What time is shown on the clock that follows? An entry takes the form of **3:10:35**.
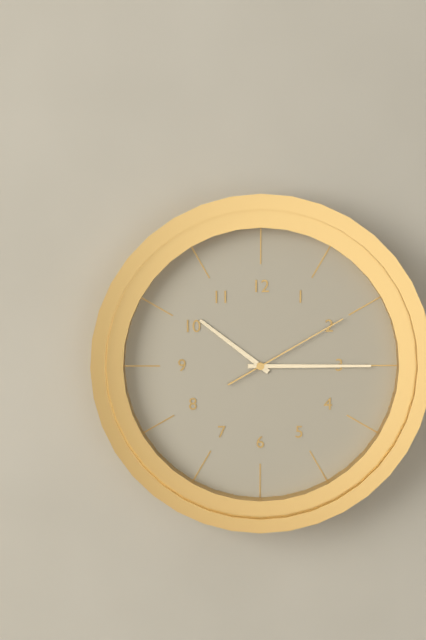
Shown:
**10:15:10**
